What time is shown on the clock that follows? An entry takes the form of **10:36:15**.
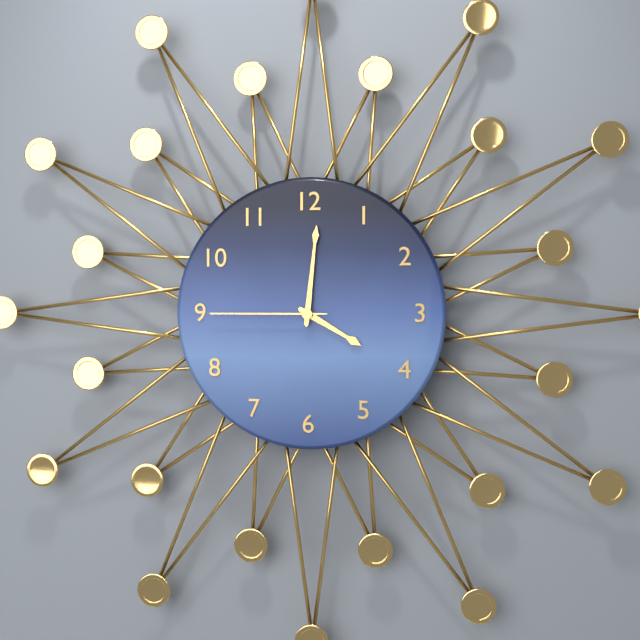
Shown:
**4:01:45**
